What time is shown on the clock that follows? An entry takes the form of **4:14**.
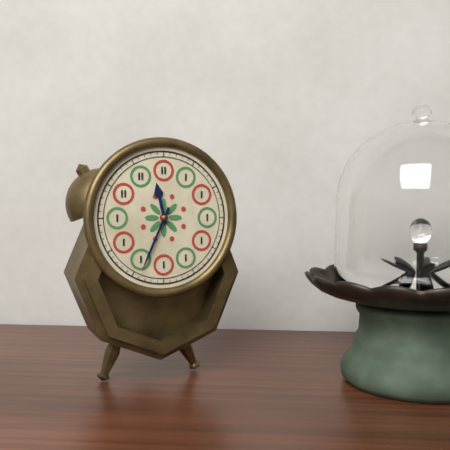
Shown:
**11:34**
